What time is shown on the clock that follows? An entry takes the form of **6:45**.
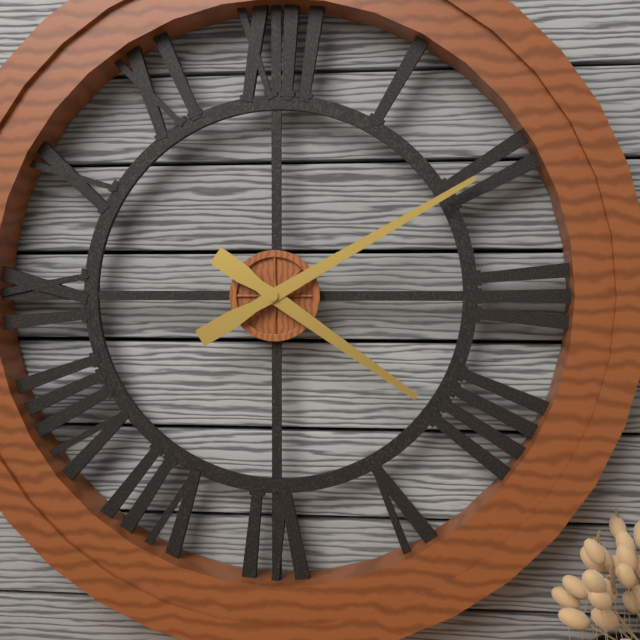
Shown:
**4:10**
